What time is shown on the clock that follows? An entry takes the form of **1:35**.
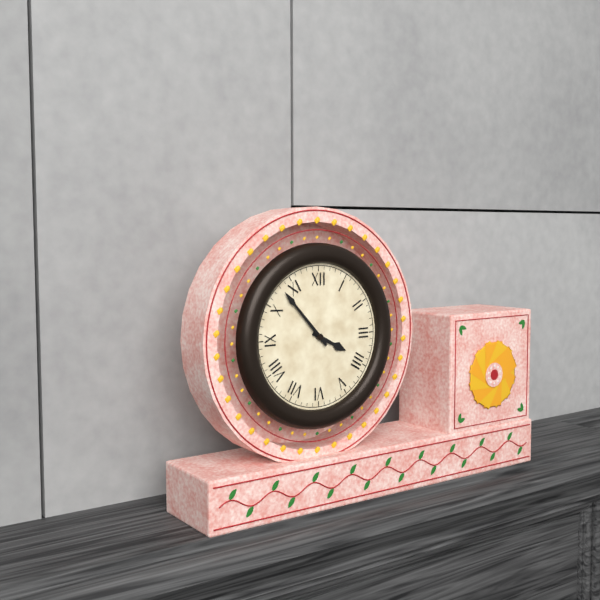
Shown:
**3:53**
